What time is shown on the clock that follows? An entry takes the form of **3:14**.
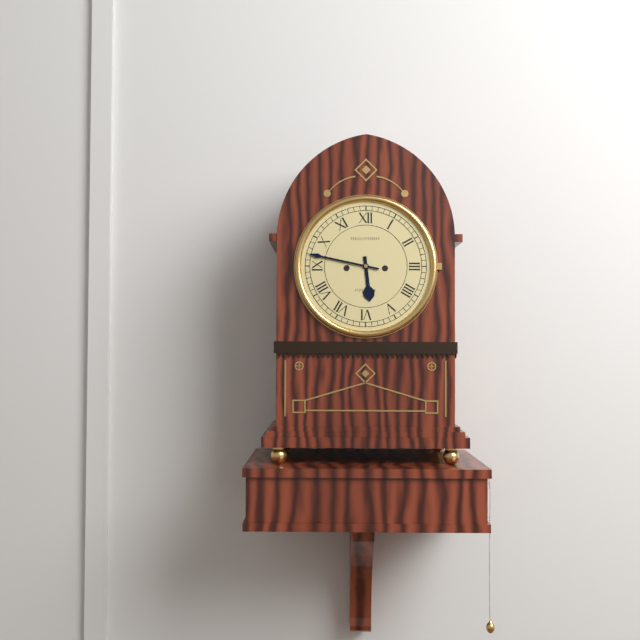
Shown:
**5:47**
